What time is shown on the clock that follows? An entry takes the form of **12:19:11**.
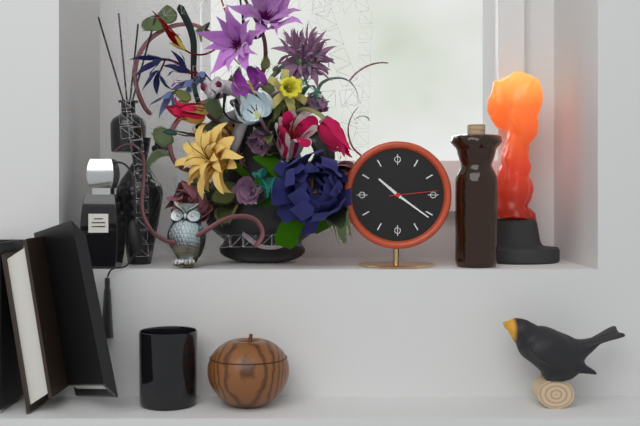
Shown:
**10:21:14**
